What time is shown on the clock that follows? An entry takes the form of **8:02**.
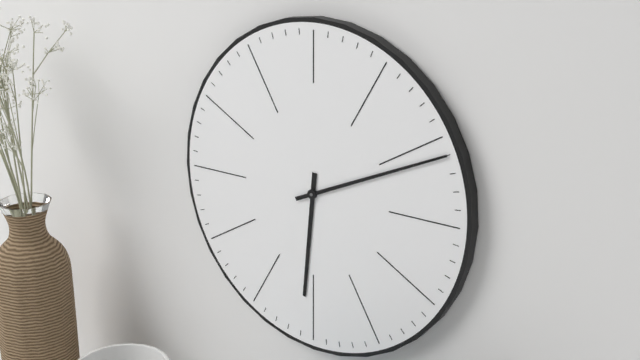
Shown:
**6:11**
